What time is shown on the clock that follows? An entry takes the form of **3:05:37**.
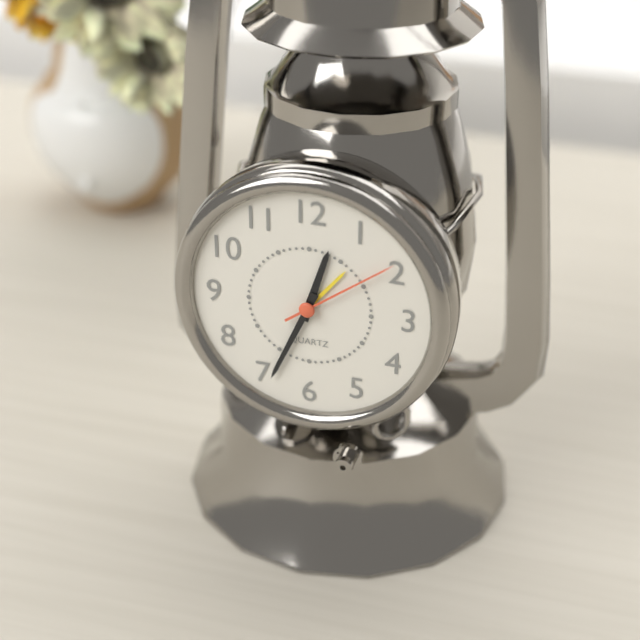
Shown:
**12:34:09**
